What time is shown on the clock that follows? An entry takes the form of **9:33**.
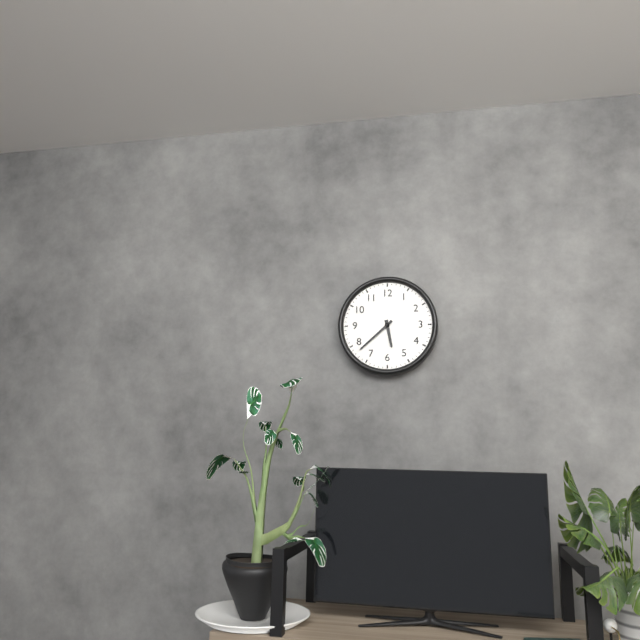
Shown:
**5:38**
